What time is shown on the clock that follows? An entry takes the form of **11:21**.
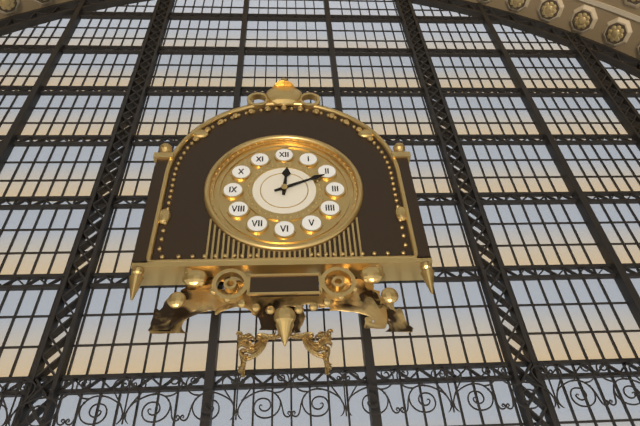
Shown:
**12:11**
